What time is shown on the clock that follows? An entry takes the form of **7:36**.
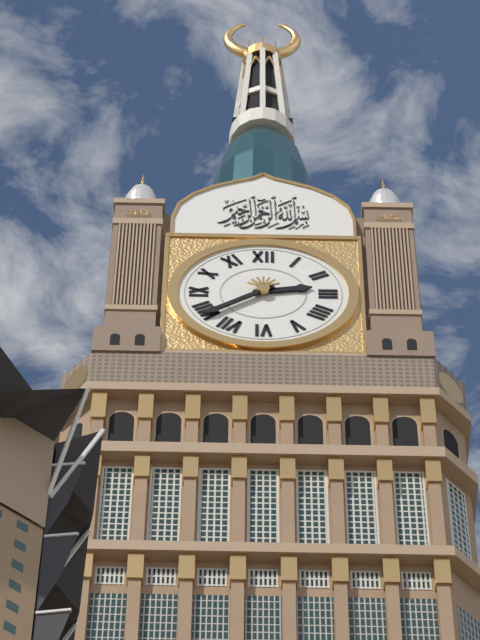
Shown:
**2:39**
